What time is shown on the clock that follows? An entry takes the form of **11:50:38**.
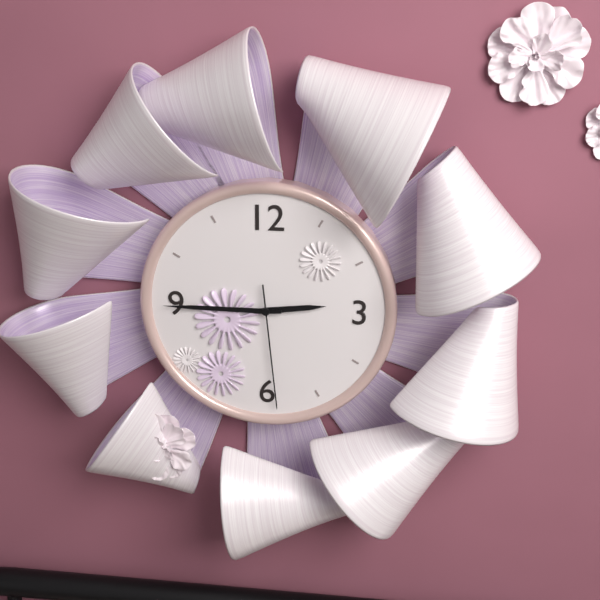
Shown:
**2:45:29**
